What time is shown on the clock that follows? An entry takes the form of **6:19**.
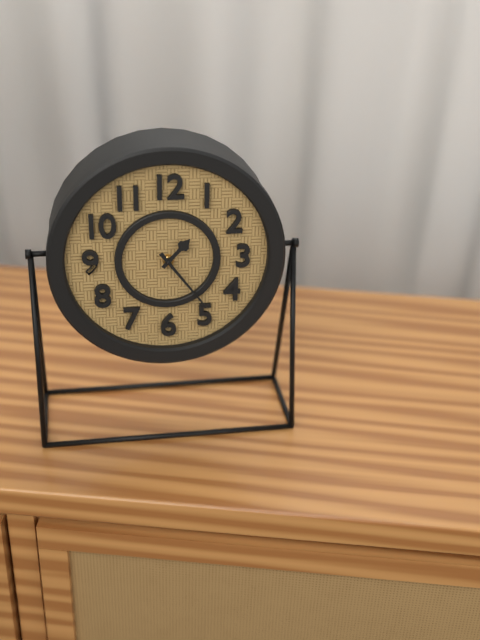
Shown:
**1:24**
